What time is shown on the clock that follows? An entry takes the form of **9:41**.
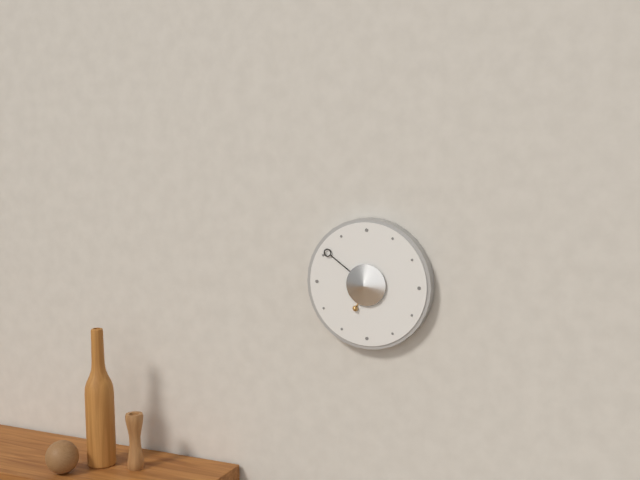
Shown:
**6:51**
